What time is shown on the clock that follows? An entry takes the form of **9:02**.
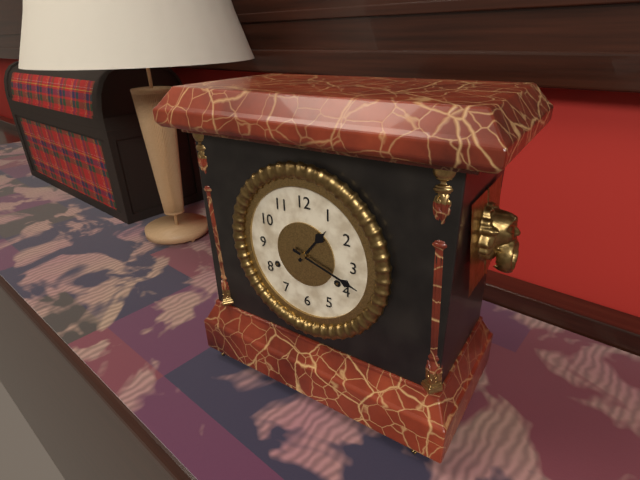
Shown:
**1:18**
